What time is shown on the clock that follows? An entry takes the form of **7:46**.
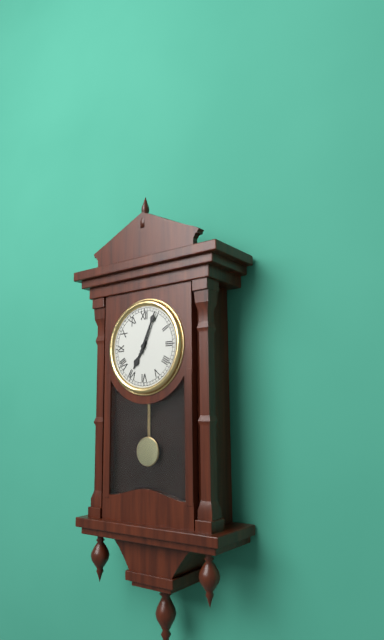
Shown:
**7:04**
